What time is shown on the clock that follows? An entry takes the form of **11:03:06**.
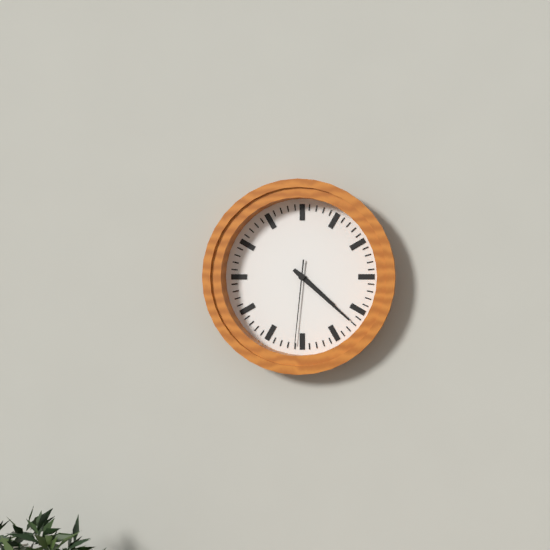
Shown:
**4:22:31**
